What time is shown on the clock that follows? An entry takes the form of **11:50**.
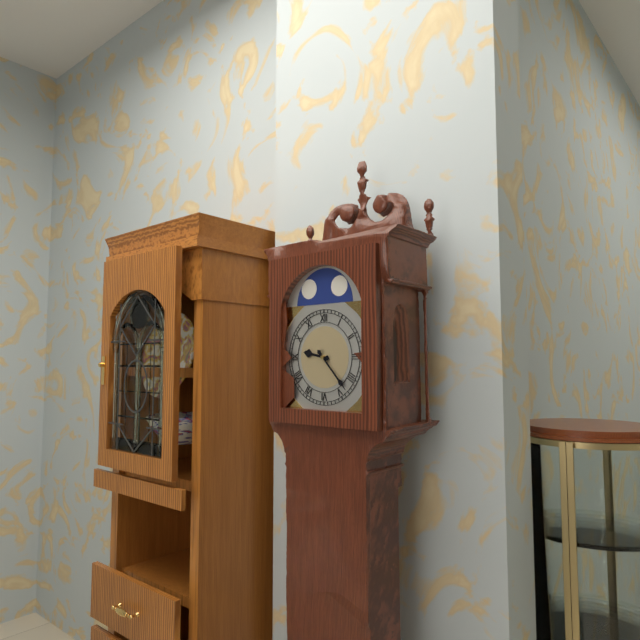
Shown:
**9:23**
